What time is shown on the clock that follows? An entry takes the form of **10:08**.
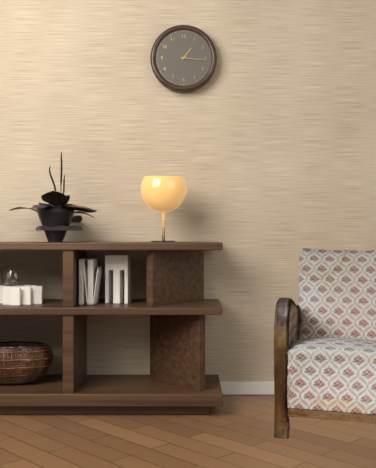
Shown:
**1:16**
